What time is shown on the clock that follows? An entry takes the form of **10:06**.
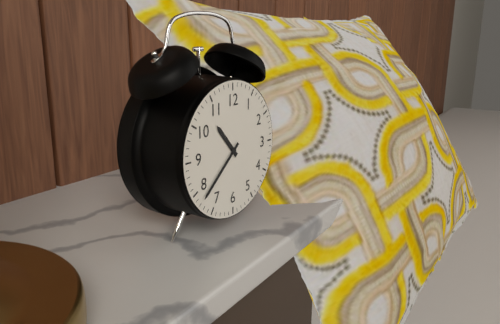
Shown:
**10:38**
